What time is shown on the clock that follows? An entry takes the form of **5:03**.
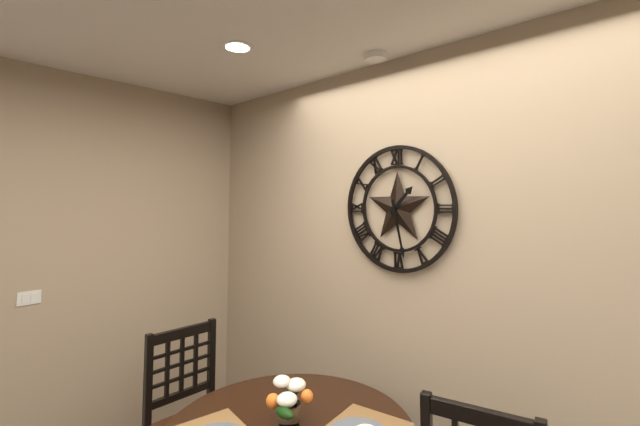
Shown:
**1:28**
